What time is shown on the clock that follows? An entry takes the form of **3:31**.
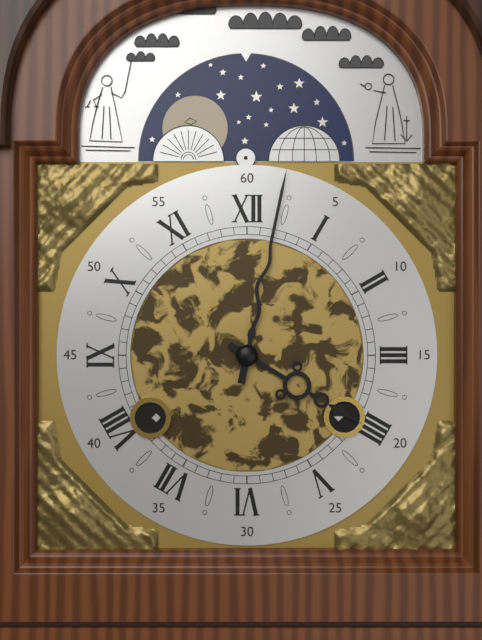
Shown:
**4:02**
